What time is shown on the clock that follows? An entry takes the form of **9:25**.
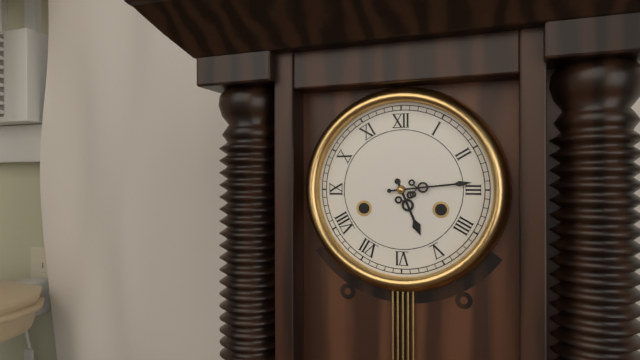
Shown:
**5:14**
